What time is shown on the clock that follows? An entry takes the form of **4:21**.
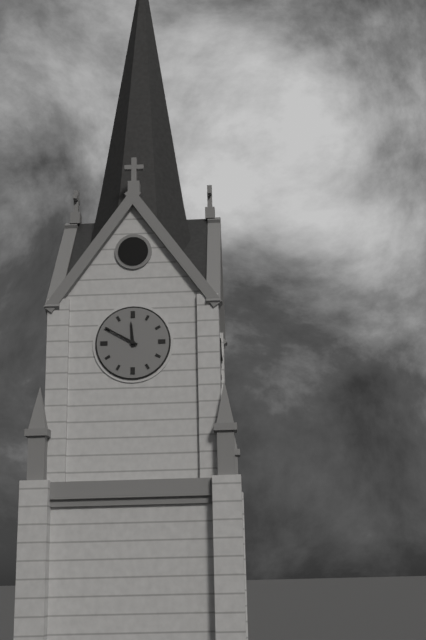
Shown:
**11:50**
